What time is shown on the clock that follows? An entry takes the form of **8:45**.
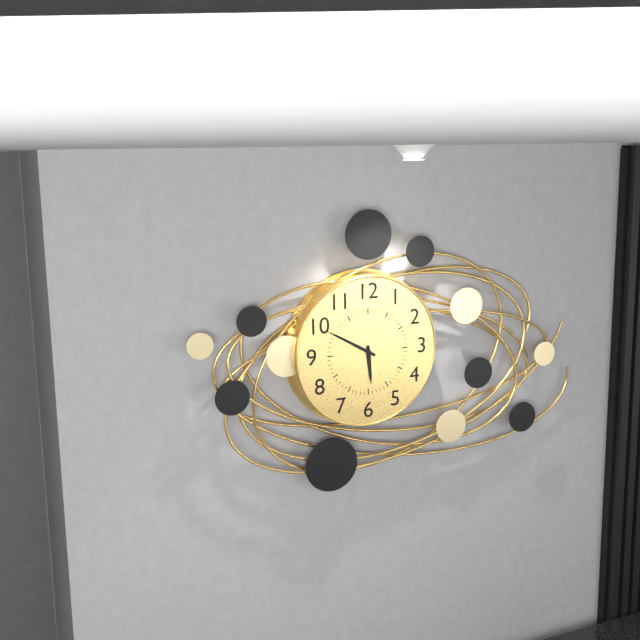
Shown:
**5:50**
